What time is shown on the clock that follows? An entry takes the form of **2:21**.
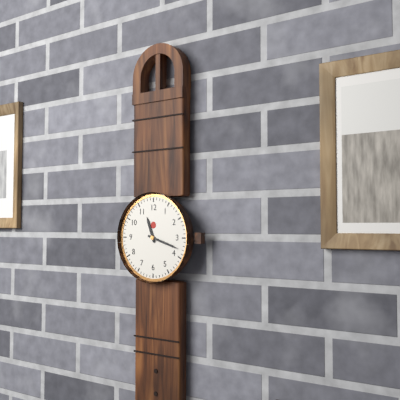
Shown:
**11:18**
